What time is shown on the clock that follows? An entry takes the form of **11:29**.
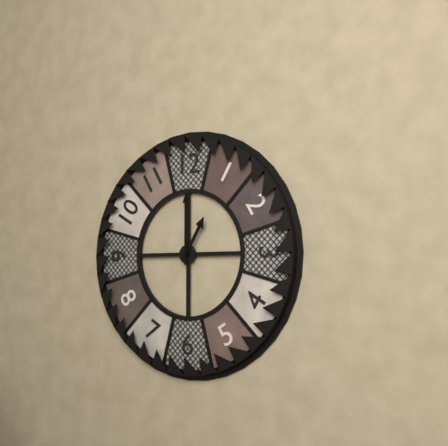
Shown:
**1:00**
